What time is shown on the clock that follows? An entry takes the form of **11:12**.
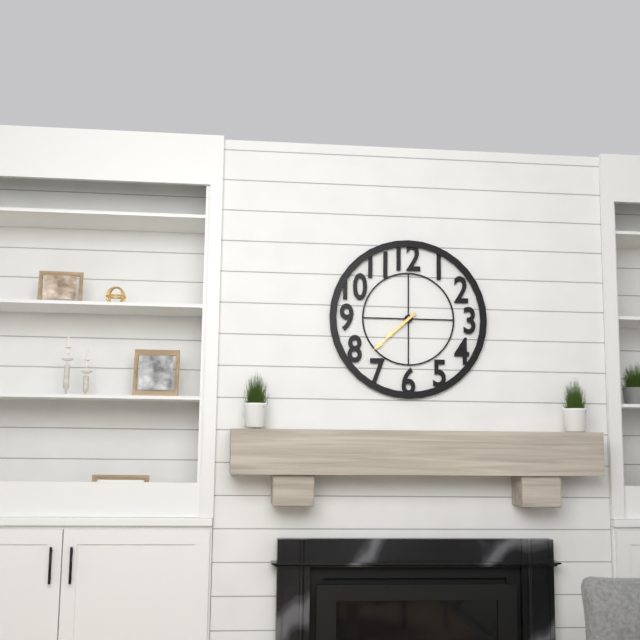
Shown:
**7:38**
